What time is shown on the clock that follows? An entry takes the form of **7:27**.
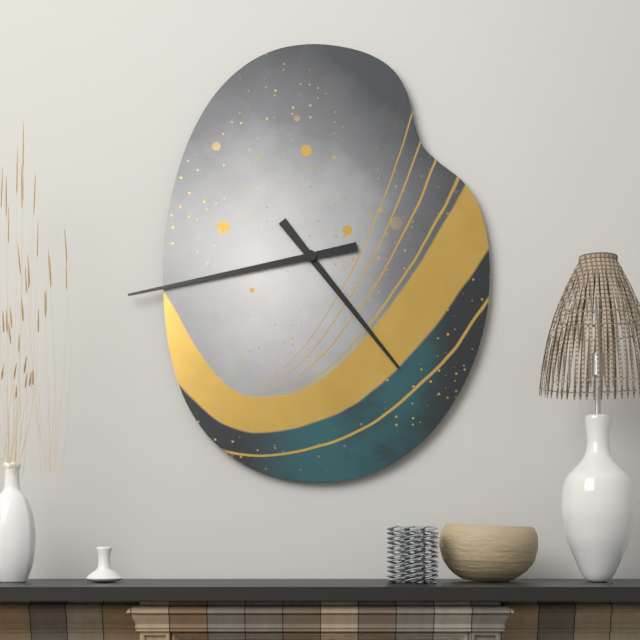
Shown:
**4:43**
